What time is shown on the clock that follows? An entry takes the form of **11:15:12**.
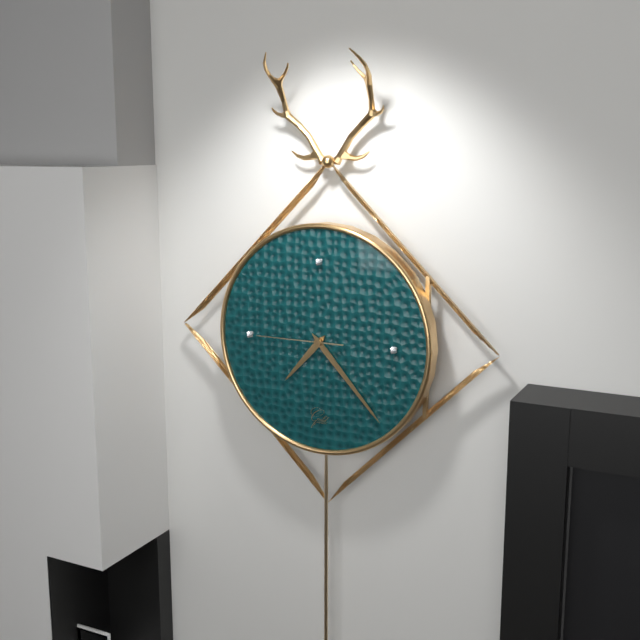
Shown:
**7:23:45**
